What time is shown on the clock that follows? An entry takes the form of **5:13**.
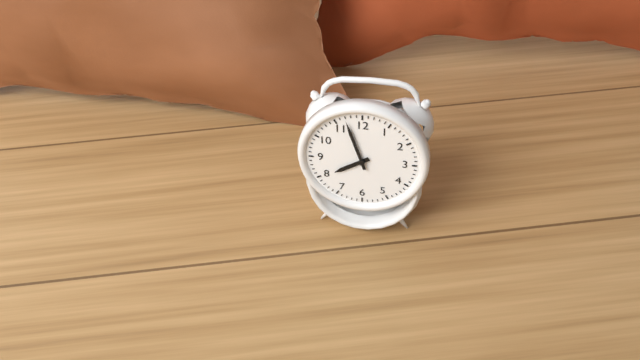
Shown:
**7:57**
